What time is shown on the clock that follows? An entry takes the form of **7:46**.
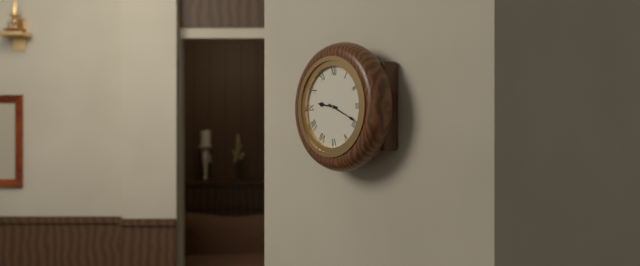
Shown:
**9:19**
